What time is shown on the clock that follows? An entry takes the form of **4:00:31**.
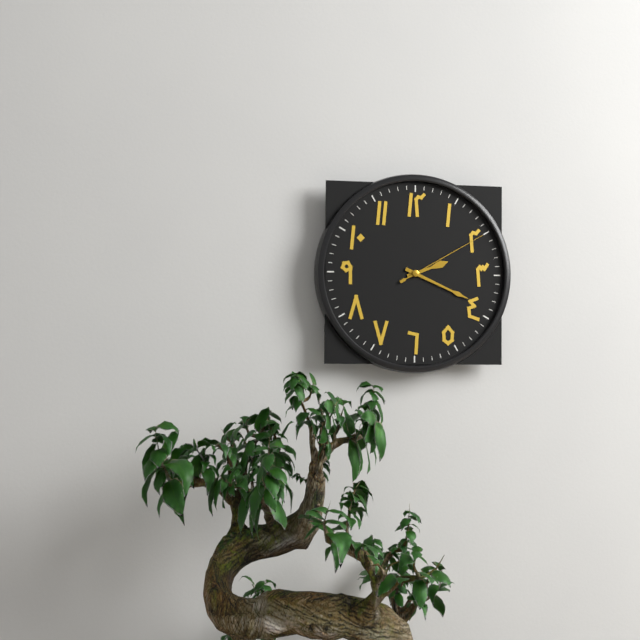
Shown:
**2:19:10**
